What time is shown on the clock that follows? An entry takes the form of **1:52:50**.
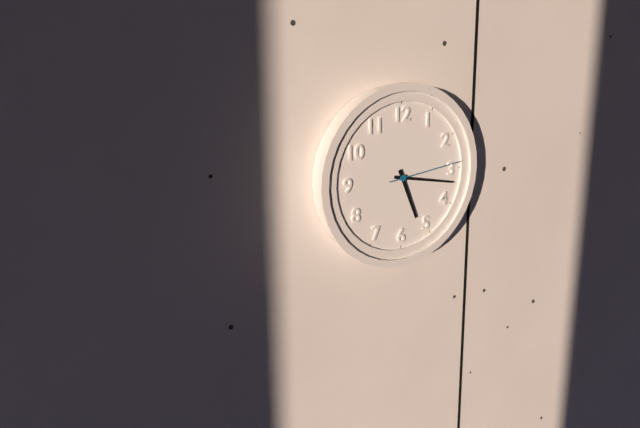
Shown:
**5:17:14**
